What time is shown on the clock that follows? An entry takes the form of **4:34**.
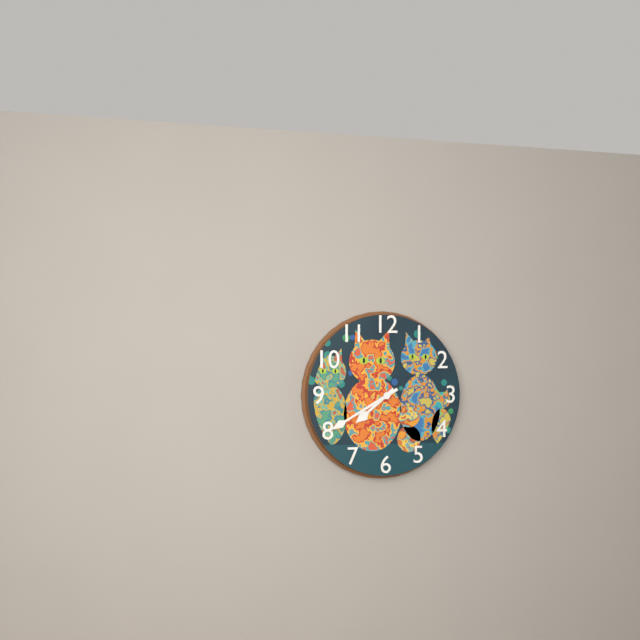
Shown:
**7:40**
